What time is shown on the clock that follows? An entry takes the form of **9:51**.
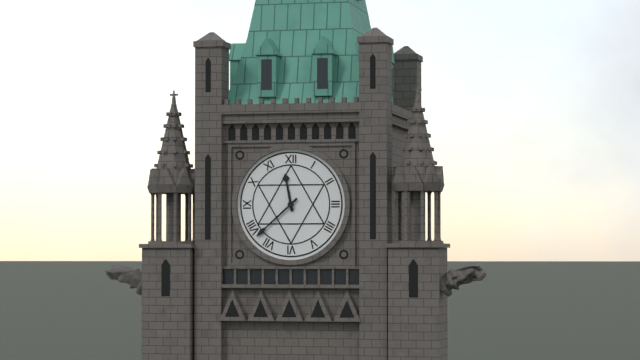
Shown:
**11:38**
